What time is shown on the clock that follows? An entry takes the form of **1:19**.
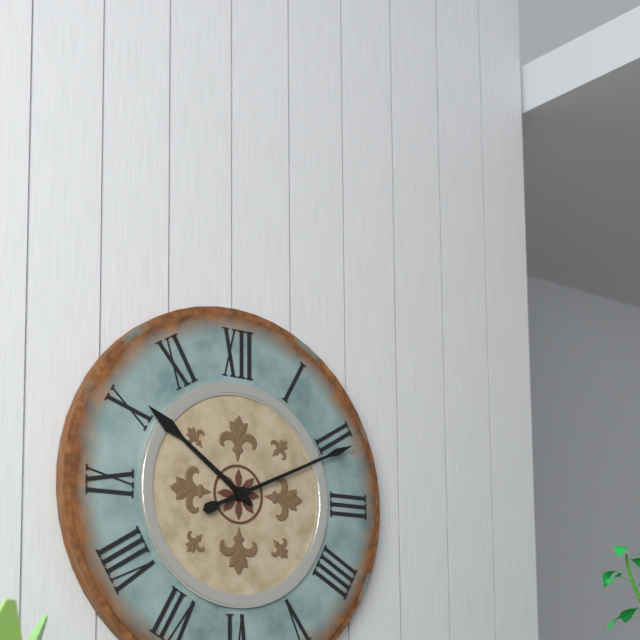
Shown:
**10:11**
